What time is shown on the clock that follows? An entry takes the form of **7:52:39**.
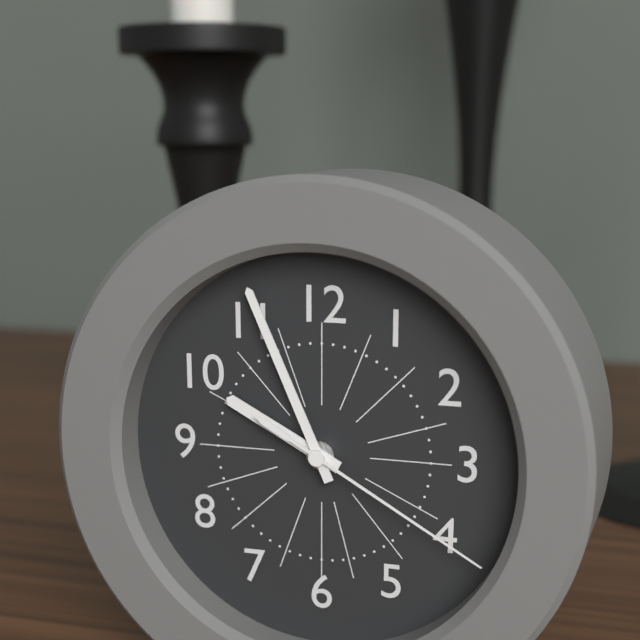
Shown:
**9:56:20**
